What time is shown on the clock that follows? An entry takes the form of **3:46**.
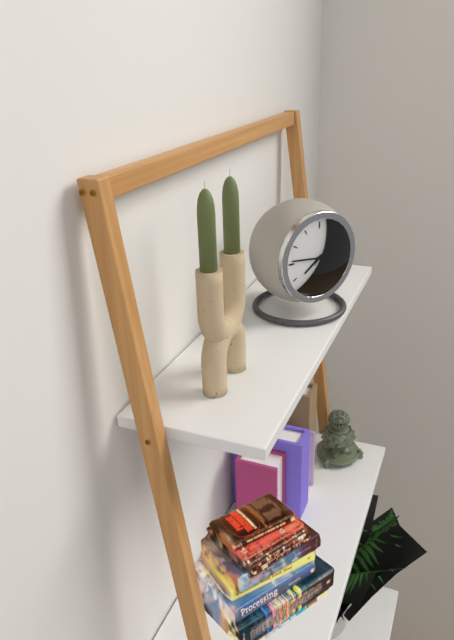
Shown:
**7:46**
